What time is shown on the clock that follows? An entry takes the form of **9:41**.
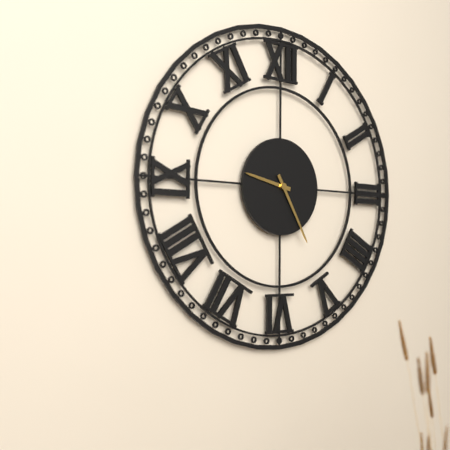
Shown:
**9:25**
